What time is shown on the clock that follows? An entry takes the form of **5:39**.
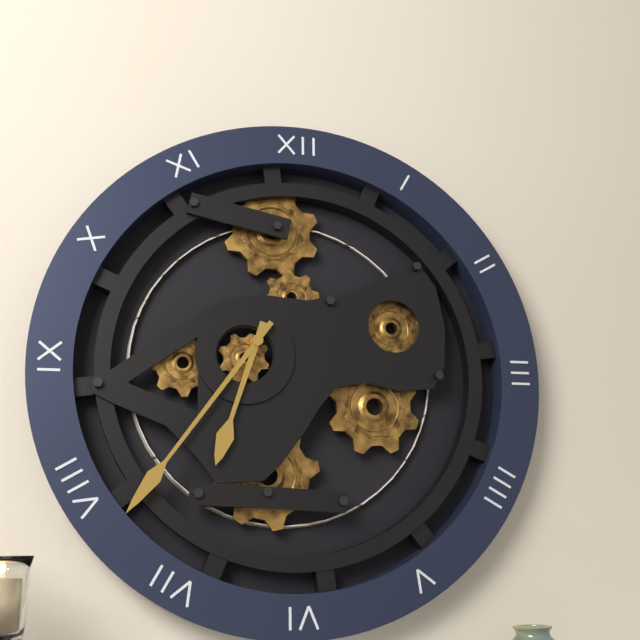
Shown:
**6:36**
